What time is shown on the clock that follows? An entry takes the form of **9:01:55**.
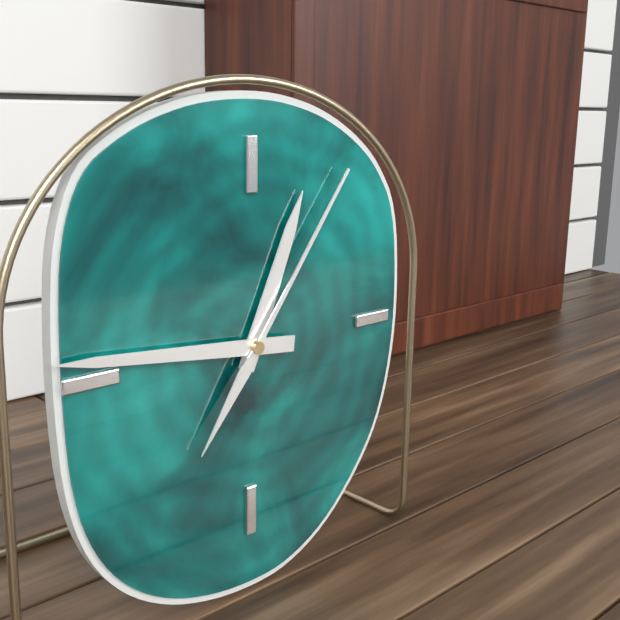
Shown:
**12:46:06**
